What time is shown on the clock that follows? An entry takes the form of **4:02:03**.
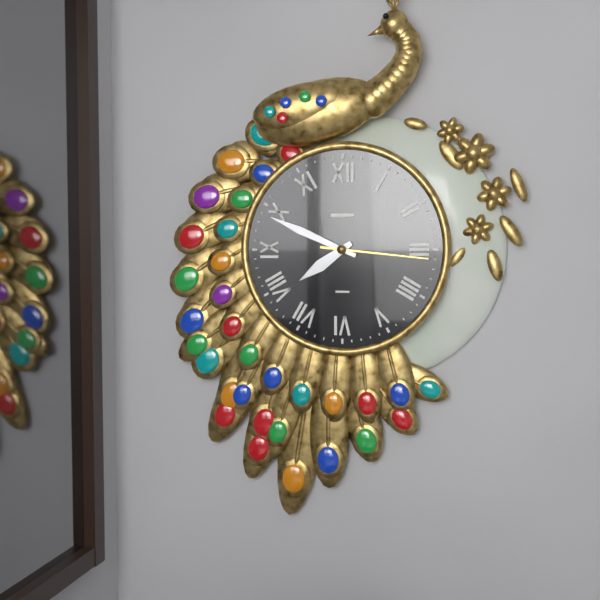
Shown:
**7:49:16**
